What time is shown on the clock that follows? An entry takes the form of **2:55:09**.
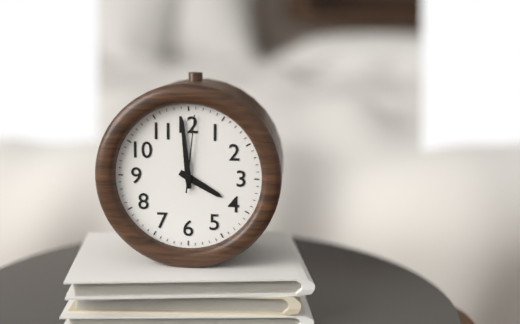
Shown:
**3:59:01**
